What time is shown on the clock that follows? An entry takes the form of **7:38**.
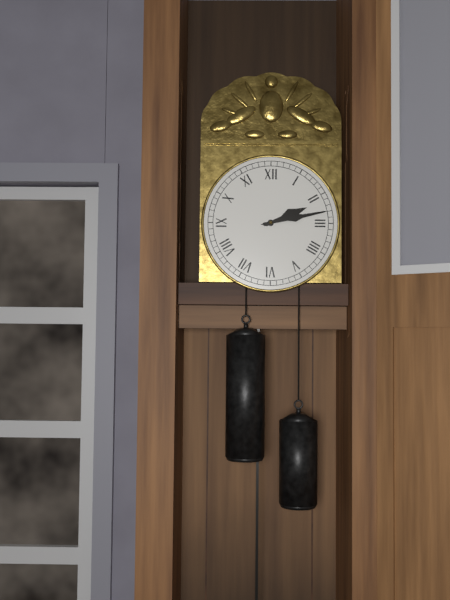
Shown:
**2:13**
